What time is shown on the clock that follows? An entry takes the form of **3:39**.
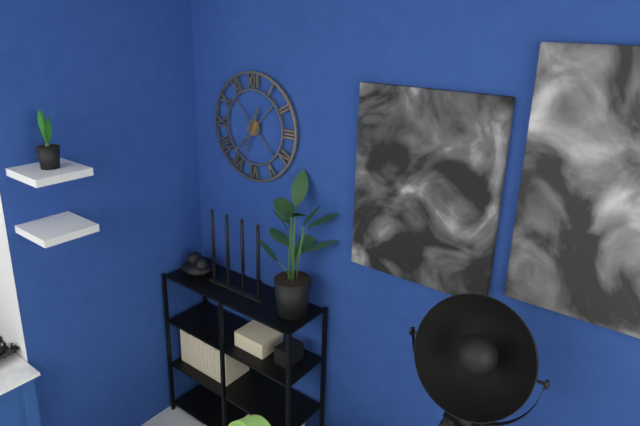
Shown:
**12:34**
